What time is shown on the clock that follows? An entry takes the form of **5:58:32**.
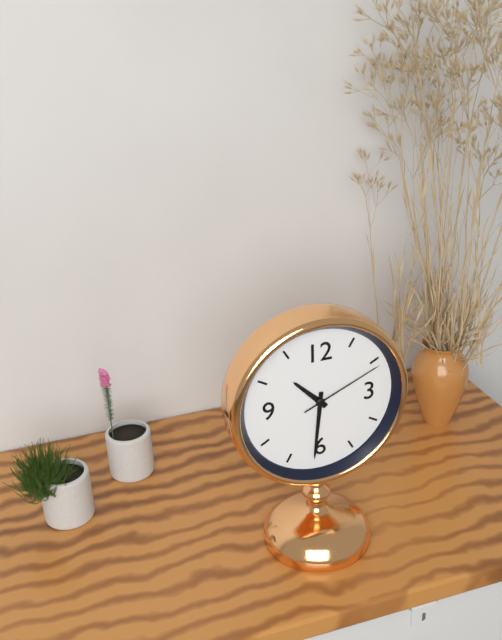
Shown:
**10:31:11**
